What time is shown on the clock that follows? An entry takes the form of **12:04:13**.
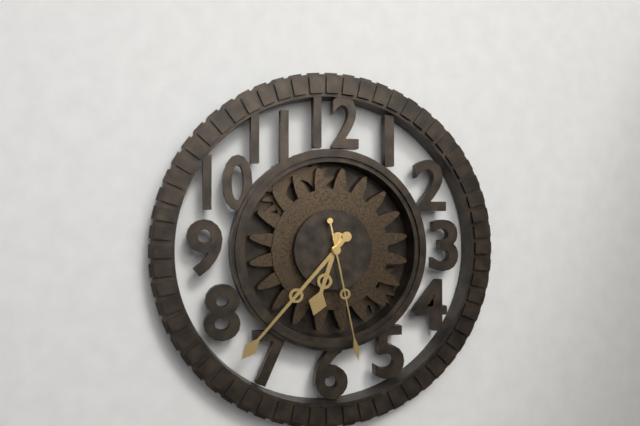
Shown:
**6:37:28**
